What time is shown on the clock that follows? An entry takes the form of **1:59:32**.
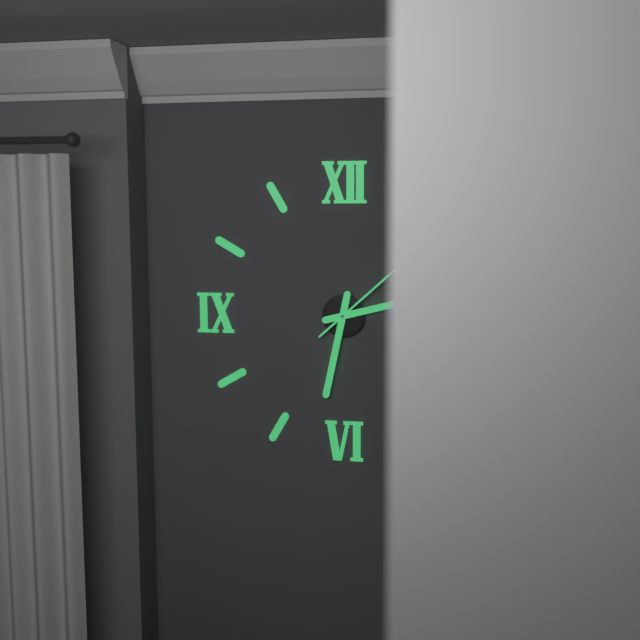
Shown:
**2:32:08**
